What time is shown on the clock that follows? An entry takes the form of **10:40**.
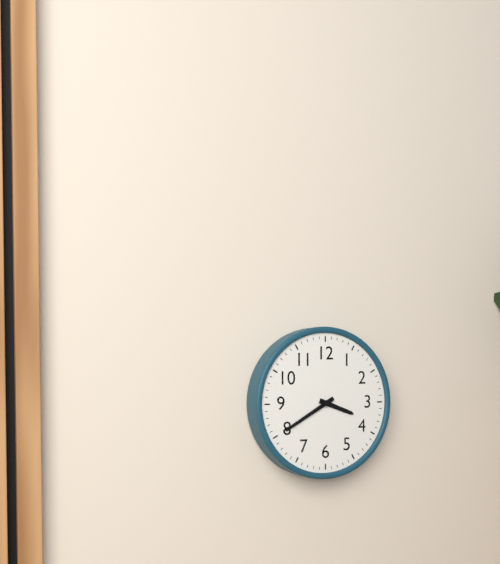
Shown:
**3:40**
